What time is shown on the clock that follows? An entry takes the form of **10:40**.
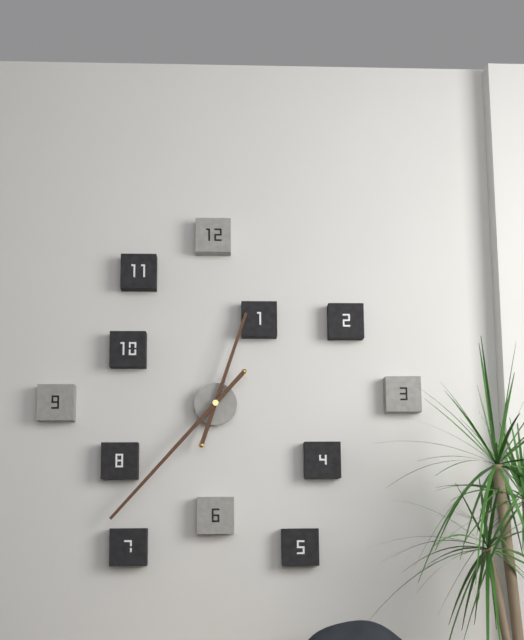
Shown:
**12:37**
